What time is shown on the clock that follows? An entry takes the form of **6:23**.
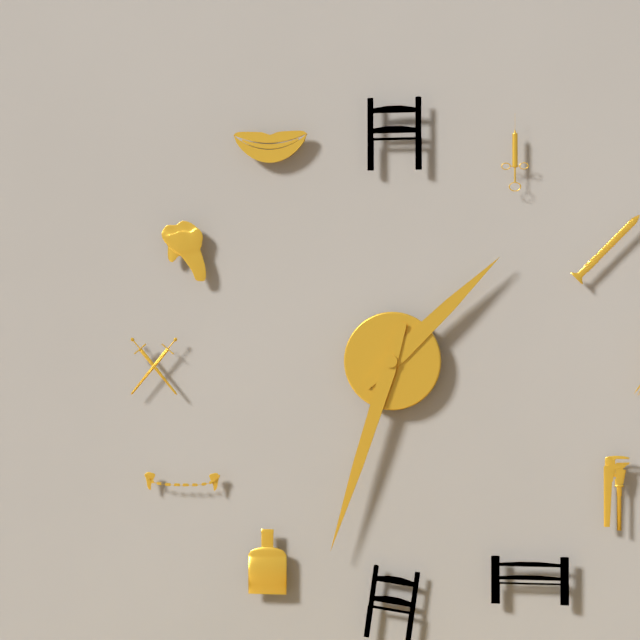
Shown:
**1:33**
